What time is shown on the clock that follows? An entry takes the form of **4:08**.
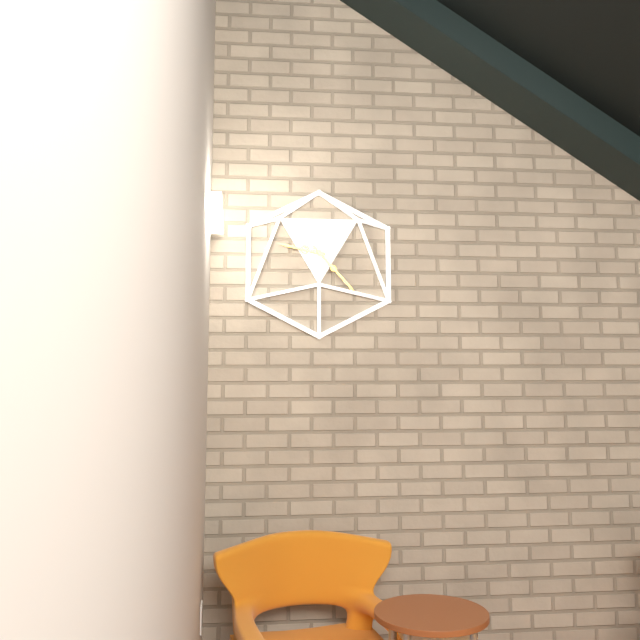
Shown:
**9:23**
